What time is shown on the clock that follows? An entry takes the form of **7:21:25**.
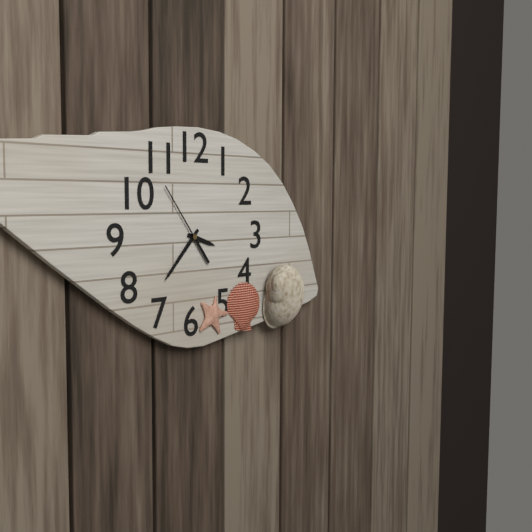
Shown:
**3:37:54**
